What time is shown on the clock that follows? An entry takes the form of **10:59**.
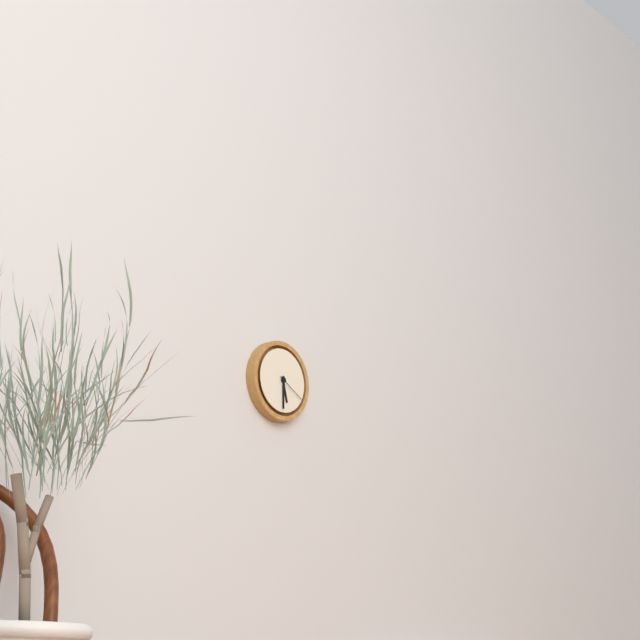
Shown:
**5:30**
